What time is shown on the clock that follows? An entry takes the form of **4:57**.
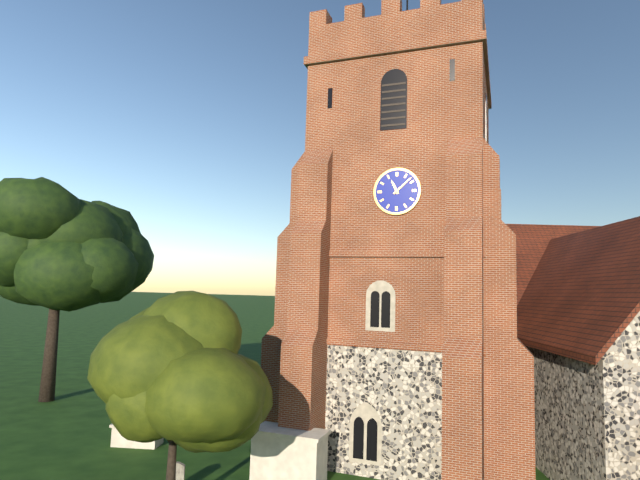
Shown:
**11:08**
